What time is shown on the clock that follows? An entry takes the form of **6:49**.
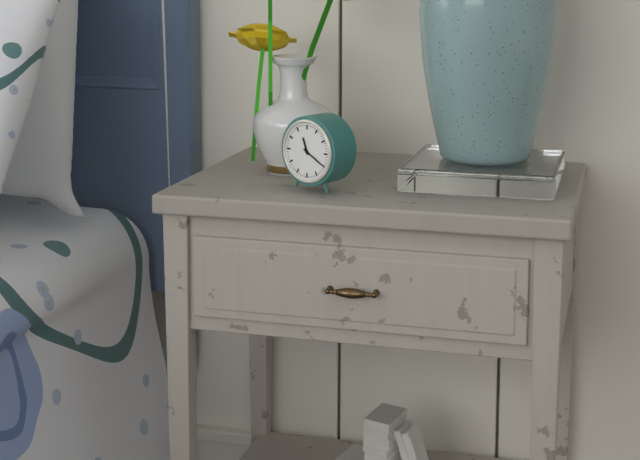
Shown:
**11:20**
